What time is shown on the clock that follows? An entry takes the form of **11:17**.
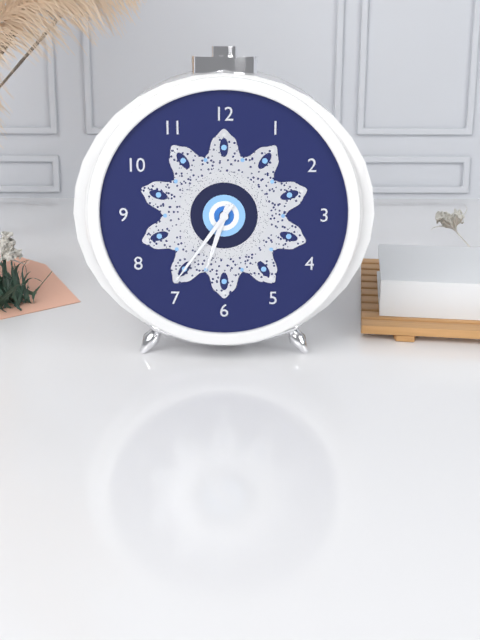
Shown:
**6:36**
